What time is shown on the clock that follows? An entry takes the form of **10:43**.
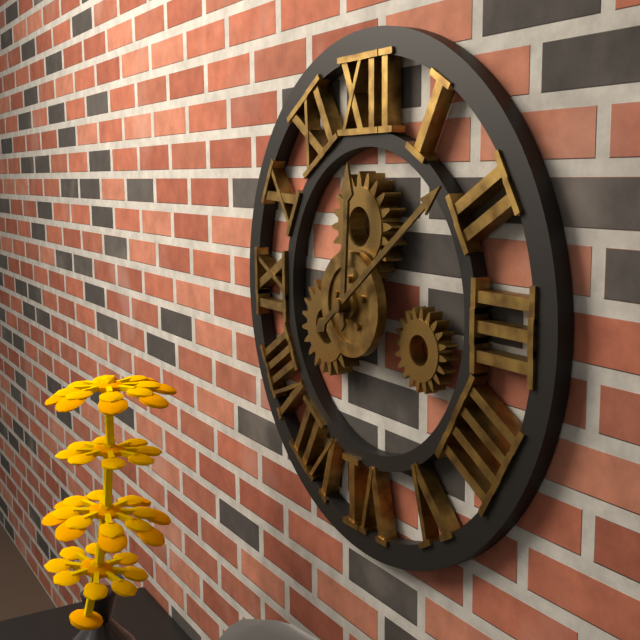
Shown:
**12:09**
